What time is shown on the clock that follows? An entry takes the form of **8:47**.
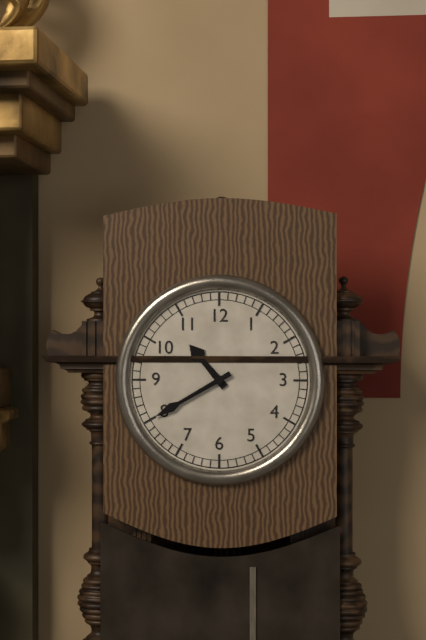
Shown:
**10:40**
